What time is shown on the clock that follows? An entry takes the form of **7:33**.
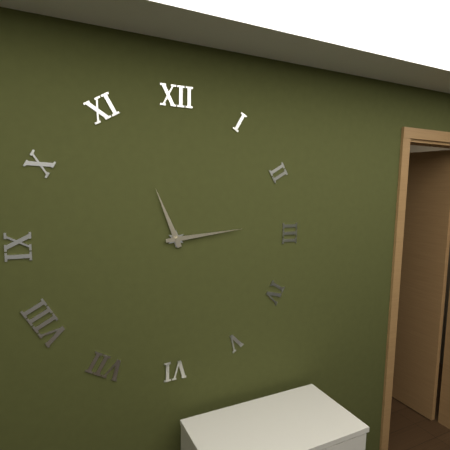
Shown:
**11:14**
